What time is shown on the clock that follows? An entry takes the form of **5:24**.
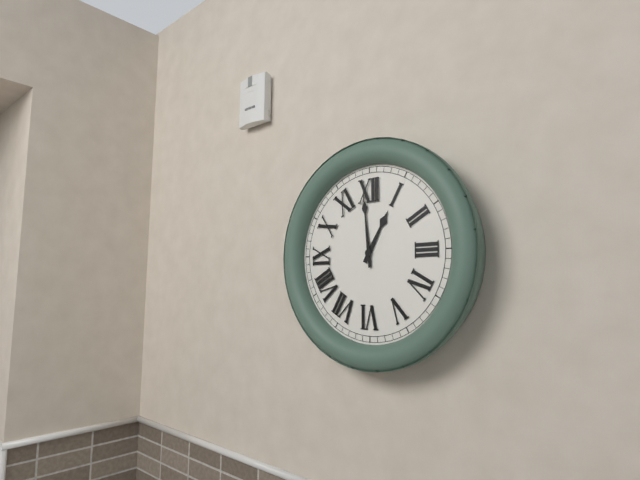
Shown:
**12:59**
